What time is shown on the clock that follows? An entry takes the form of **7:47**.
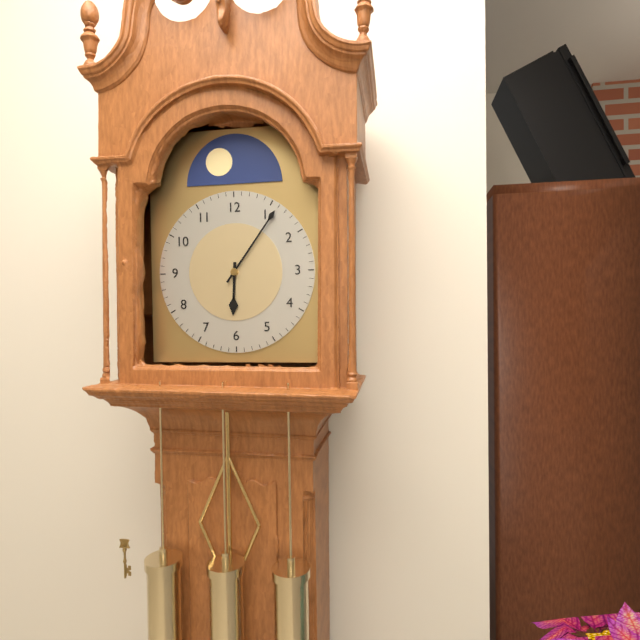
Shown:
**6:06**
